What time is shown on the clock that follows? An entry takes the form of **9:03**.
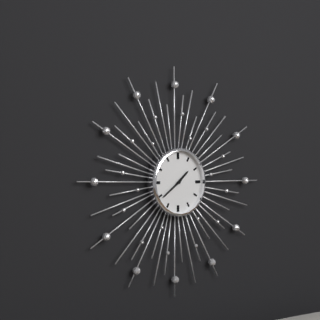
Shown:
**1:39**
